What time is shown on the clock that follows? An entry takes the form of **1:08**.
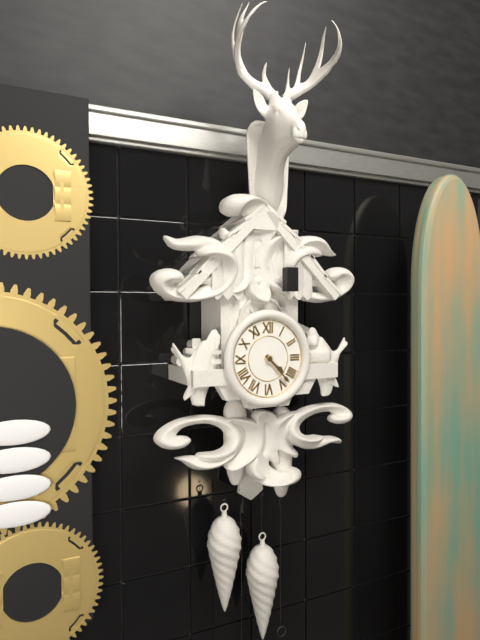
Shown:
**4:23**
